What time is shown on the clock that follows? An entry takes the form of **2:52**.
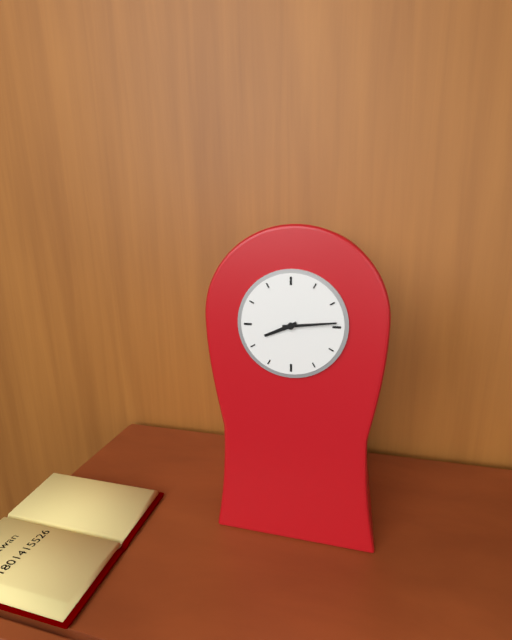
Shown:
**8:14**
